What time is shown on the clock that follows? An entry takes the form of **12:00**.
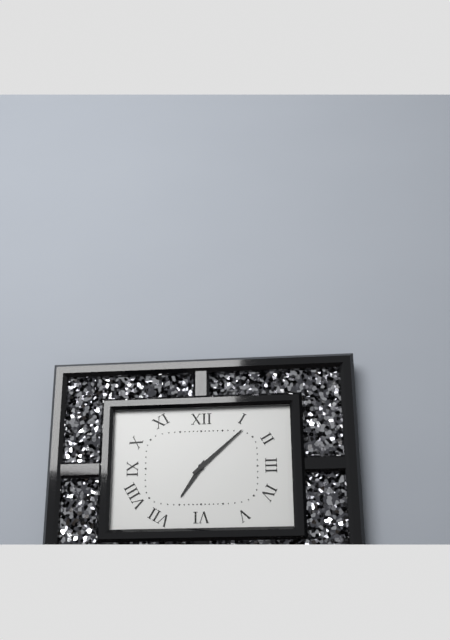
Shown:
**7:08**
